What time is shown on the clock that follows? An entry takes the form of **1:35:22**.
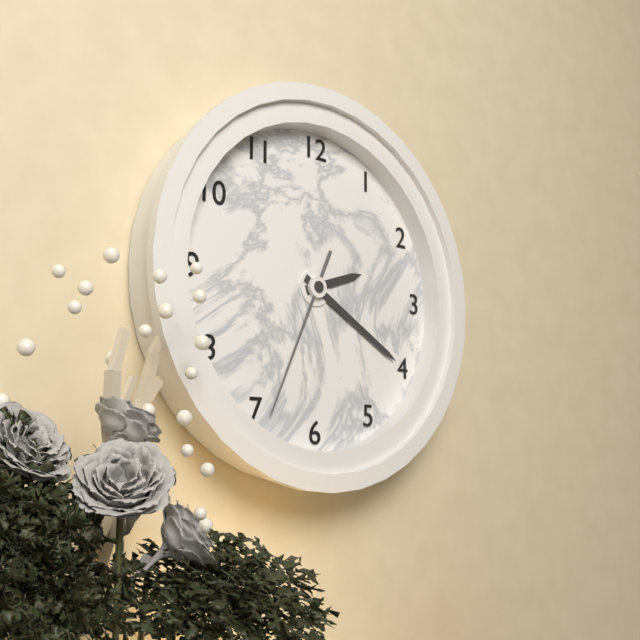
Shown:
**2:20:34**
